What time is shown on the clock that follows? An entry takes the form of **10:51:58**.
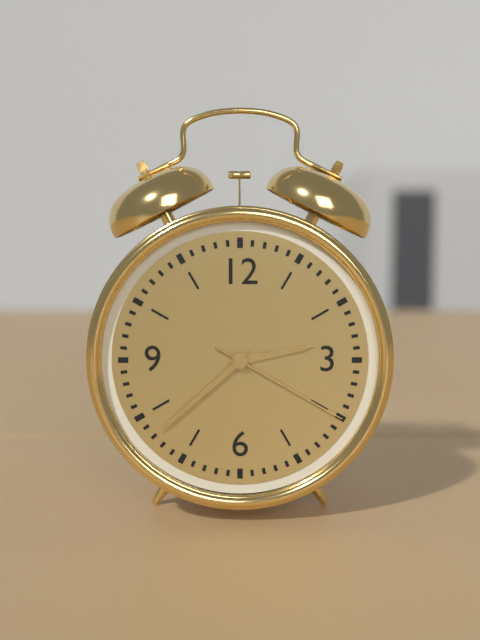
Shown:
**2:38:20**
